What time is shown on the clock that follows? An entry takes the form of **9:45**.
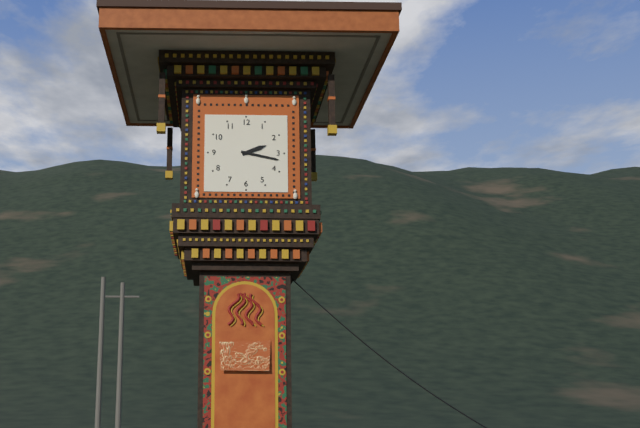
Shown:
**2:17**
